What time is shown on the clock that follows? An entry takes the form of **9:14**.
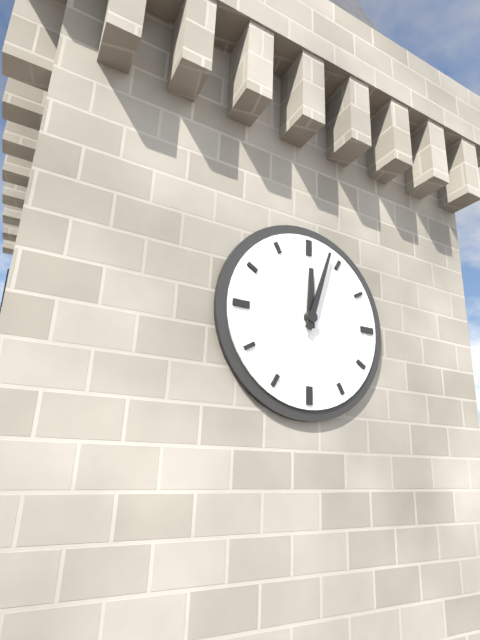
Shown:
**12:03**
